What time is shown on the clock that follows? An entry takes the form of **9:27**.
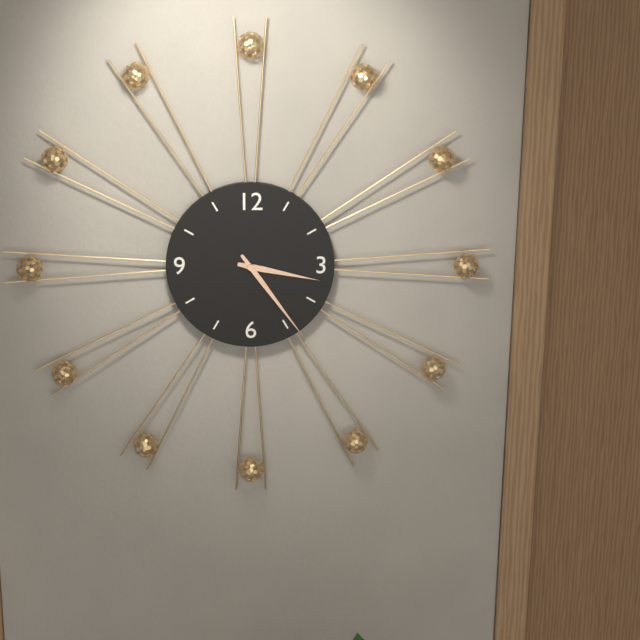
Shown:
**3:24**
